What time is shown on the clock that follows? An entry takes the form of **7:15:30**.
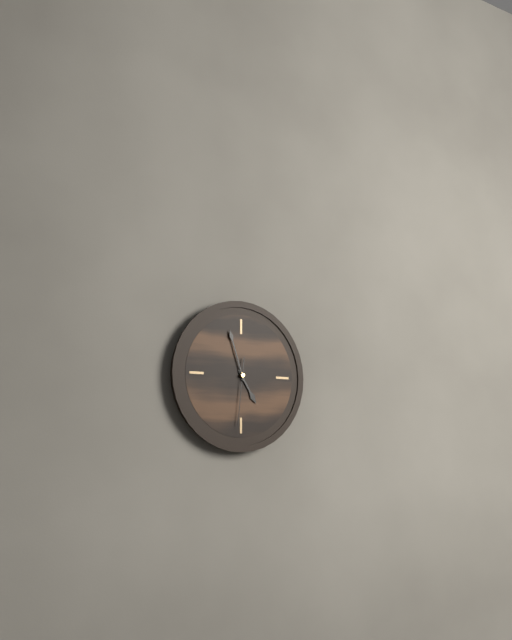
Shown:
**4:57:31**
